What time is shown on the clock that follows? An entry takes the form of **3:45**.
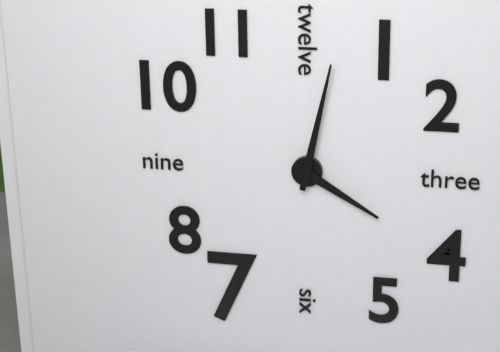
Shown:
**4:02**
